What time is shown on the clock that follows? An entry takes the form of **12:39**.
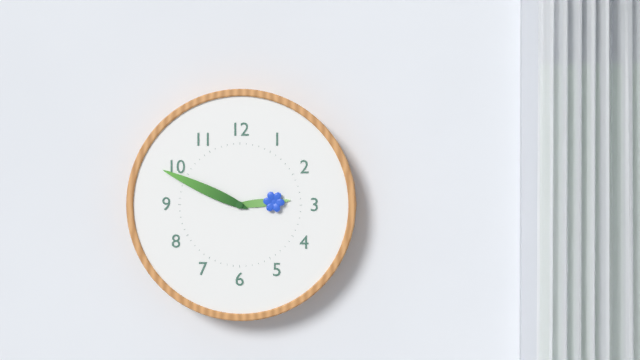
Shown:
**2:49**
